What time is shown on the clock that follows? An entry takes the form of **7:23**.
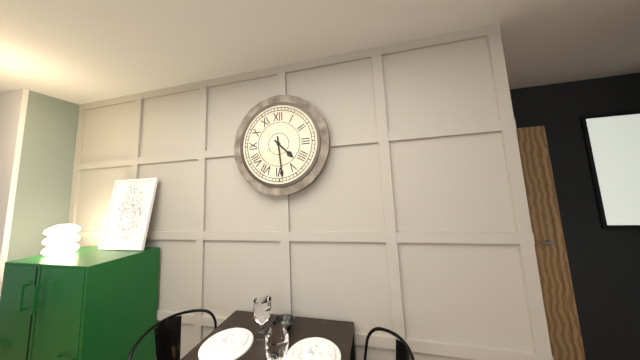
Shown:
**4:29**
